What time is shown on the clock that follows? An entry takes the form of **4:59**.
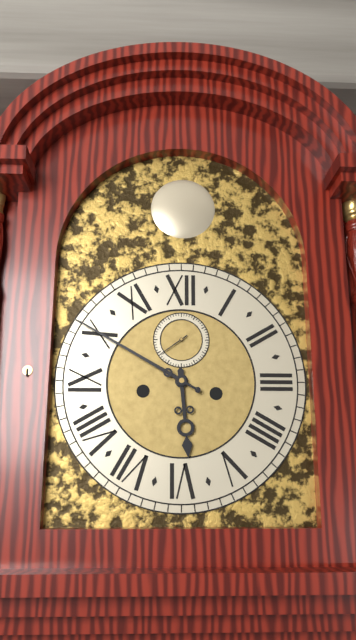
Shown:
**5:50**
